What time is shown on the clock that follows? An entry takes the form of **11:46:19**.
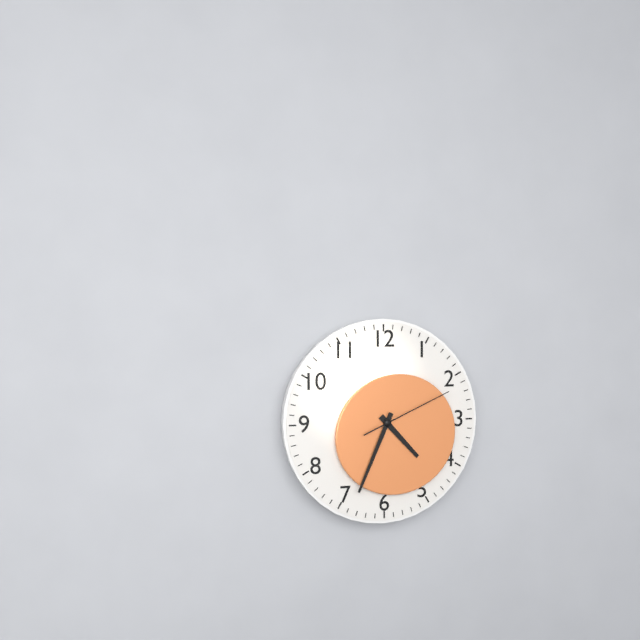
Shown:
**4:34:11**
